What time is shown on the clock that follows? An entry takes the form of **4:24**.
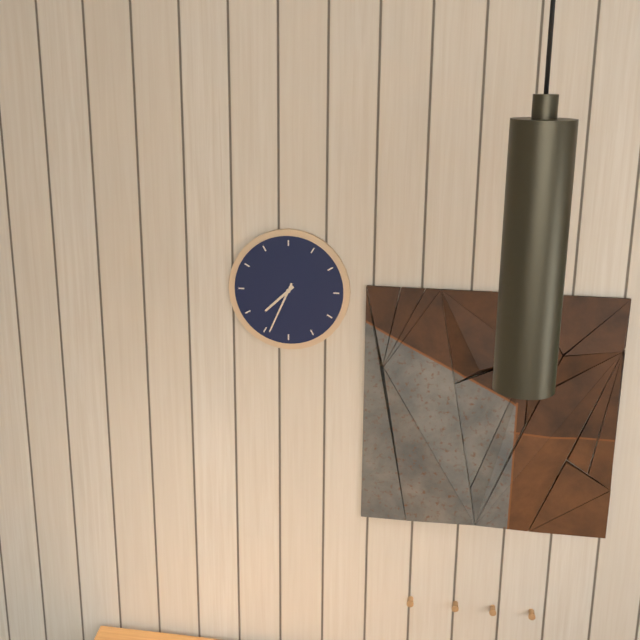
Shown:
**7:34**
